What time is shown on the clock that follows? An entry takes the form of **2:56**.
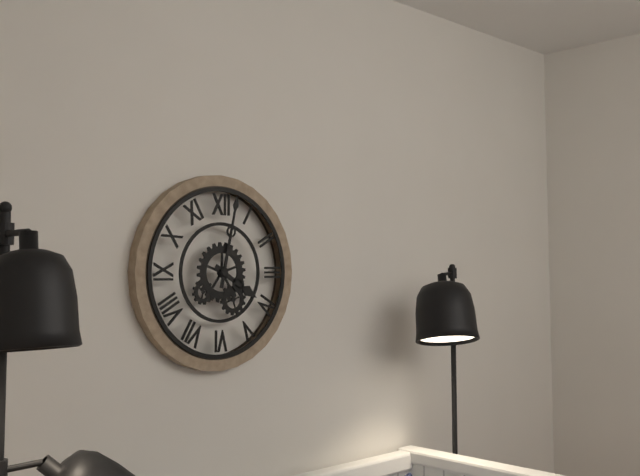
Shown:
**4:02**
